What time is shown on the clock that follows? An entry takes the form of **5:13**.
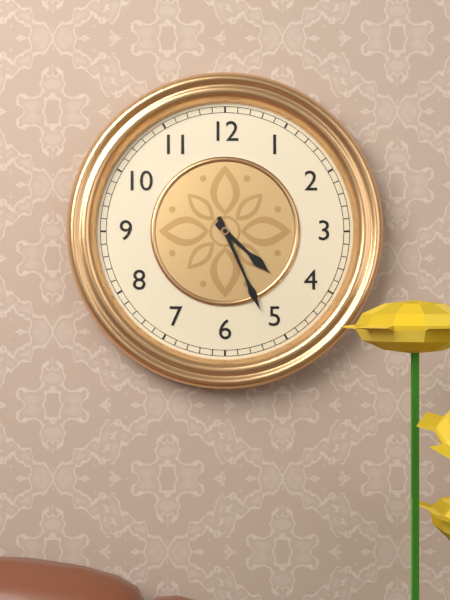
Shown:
**4:26**
